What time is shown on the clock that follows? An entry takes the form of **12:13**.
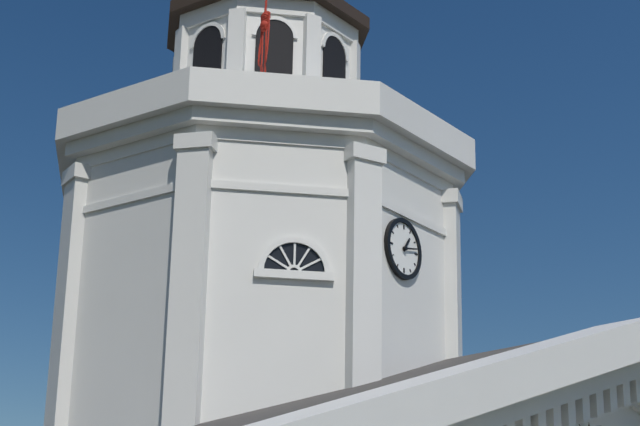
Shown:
**1:13**
